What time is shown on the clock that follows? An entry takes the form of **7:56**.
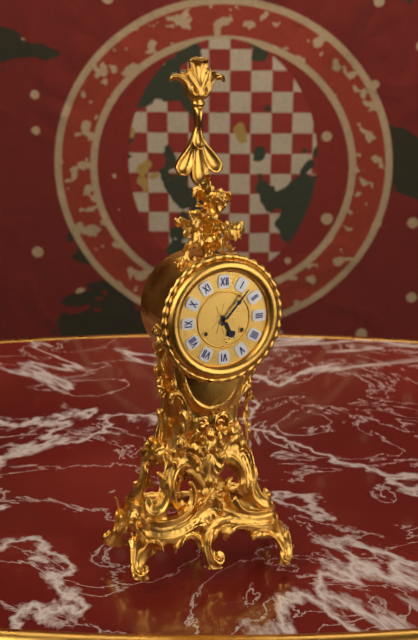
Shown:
**5:07**
